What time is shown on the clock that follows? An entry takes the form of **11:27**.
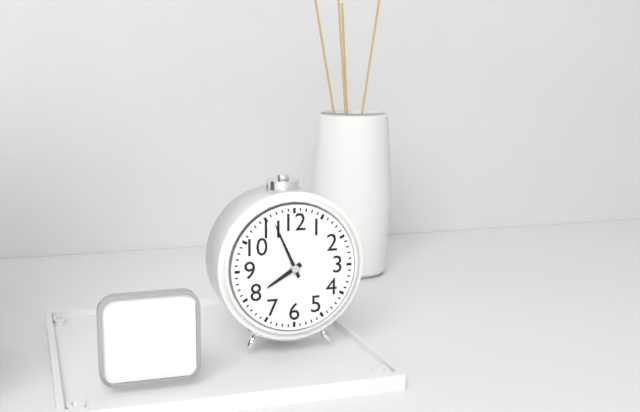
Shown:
**7:56**
